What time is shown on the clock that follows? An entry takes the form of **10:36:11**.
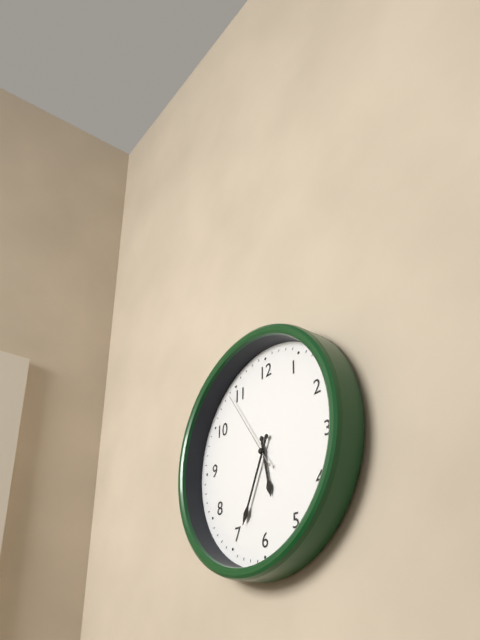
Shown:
**5:34:54**
